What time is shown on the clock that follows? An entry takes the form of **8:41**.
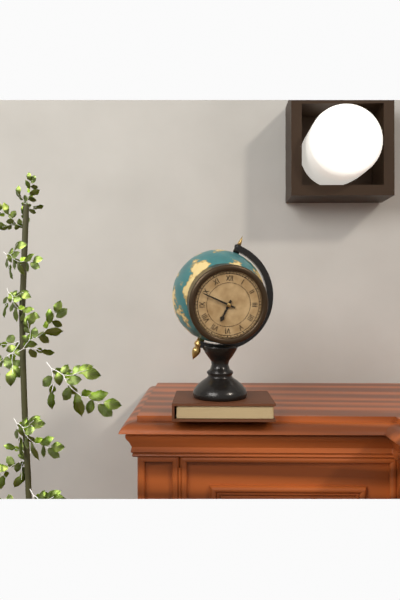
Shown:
**6:49**
